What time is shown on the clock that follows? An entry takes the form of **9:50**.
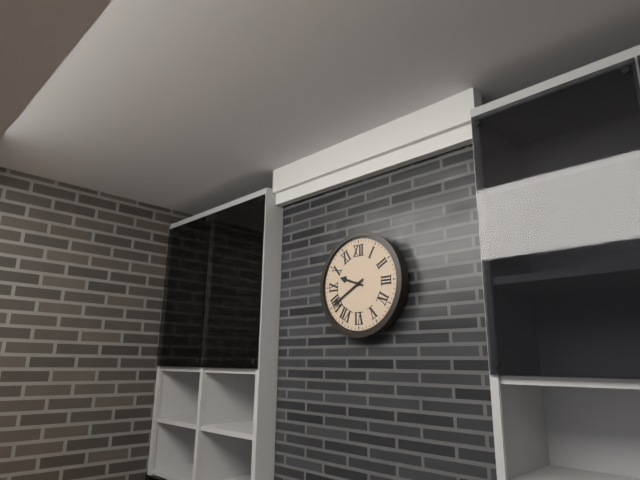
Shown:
**9:40**
